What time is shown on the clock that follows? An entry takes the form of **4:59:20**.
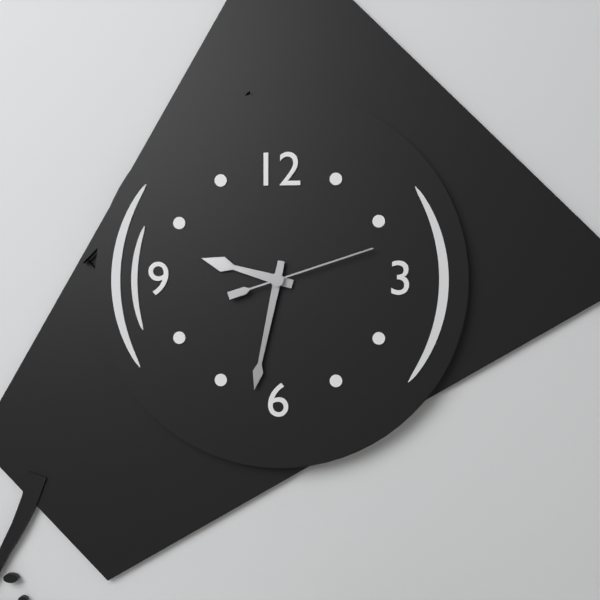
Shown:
**9:32:12**
